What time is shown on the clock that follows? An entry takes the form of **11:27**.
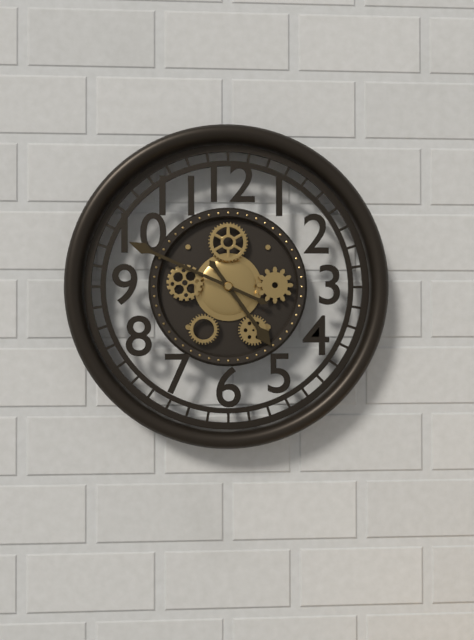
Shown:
**4:49**
